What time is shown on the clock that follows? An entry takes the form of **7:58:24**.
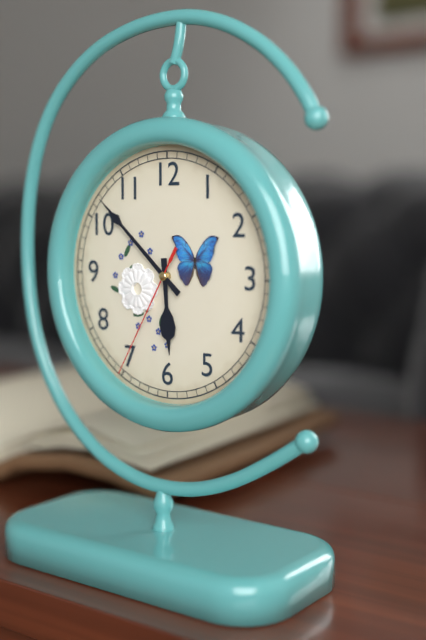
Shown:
**5:52:35**
